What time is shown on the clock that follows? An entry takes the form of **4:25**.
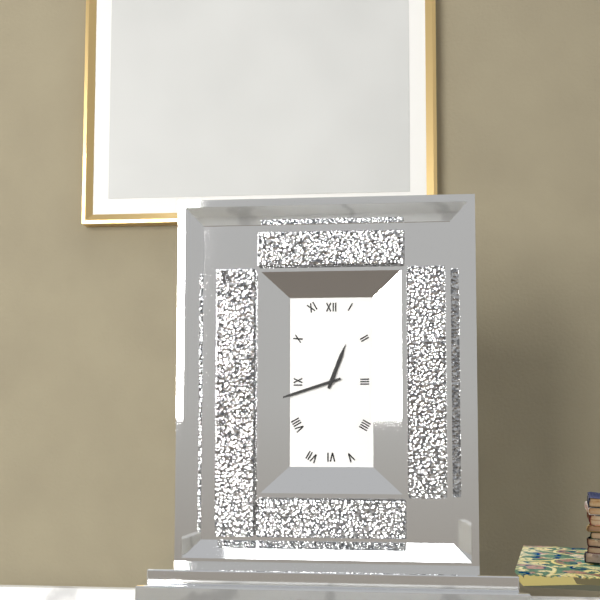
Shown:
**12:42**
